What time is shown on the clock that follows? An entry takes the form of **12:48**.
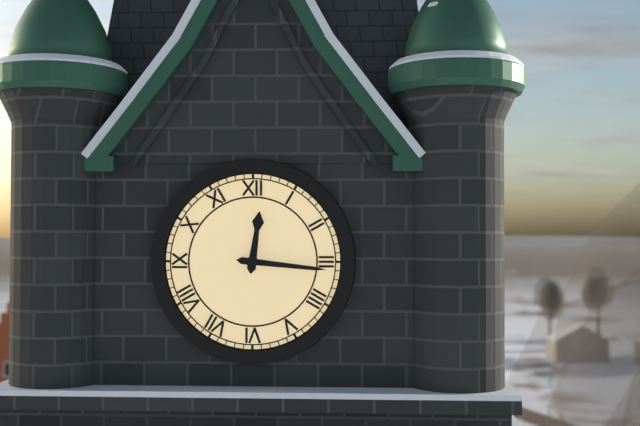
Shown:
**12:16**
